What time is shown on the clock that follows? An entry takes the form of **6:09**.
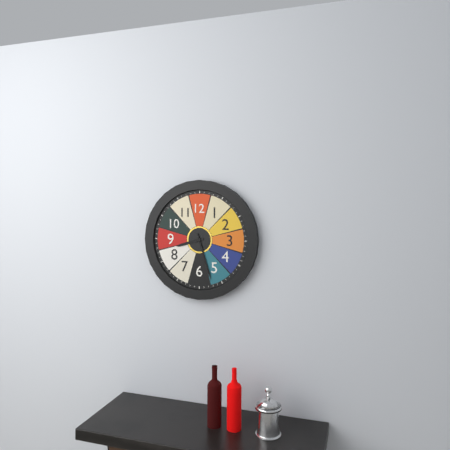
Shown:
**8:27**
